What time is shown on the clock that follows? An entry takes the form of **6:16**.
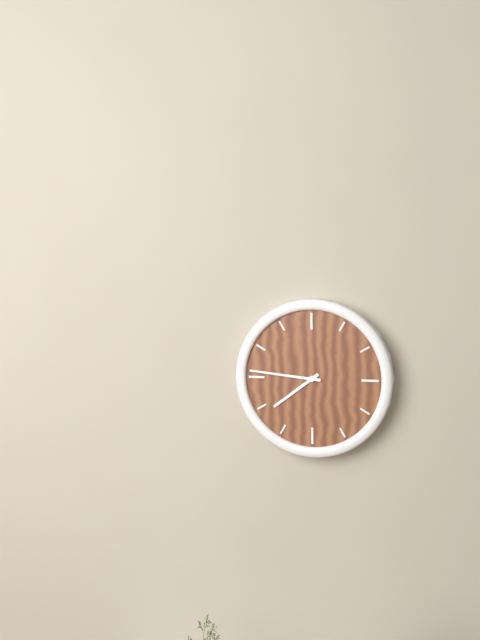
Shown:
**7:46**
